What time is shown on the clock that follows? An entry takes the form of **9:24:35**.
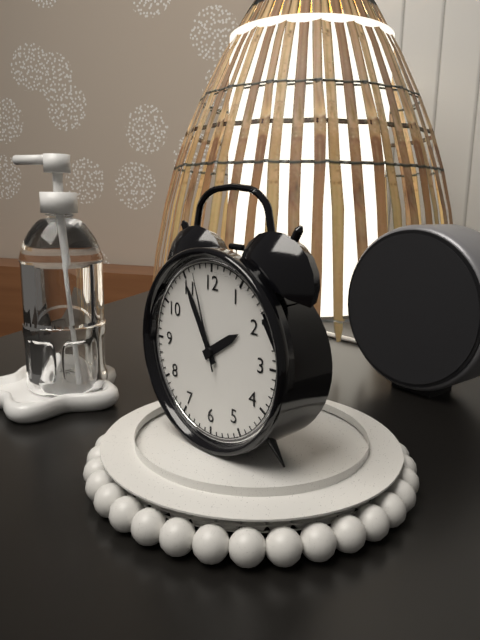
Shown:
**1:55:57**
